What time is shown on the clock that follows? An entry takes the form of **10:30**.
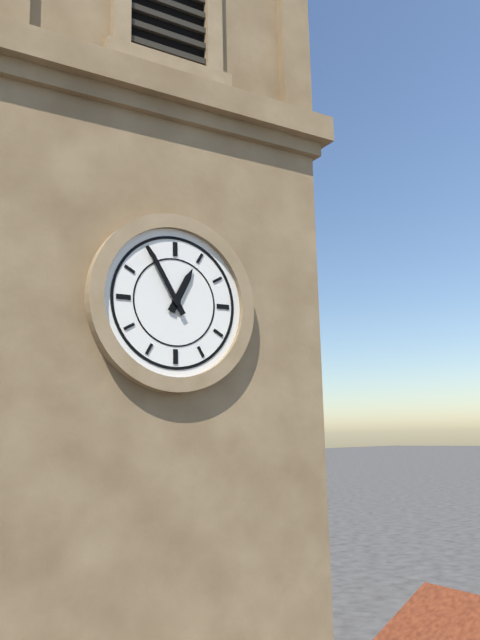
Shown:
**12:55**
